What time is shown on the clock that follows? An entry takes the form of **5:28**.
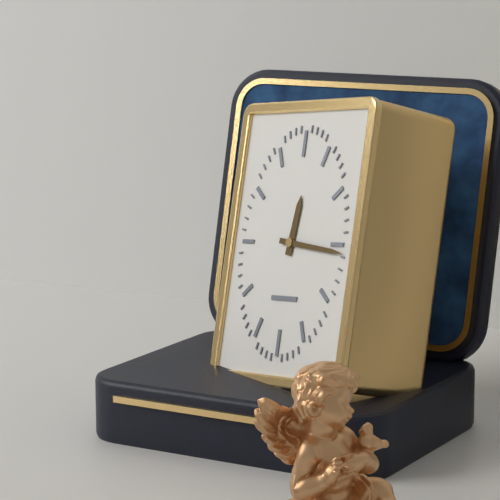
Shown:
**12:16**
